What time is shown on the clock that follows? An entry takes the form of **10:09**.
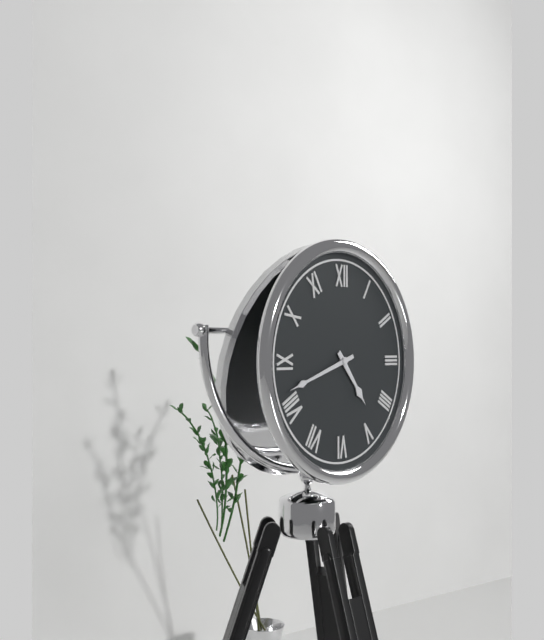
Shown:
**4:42**
